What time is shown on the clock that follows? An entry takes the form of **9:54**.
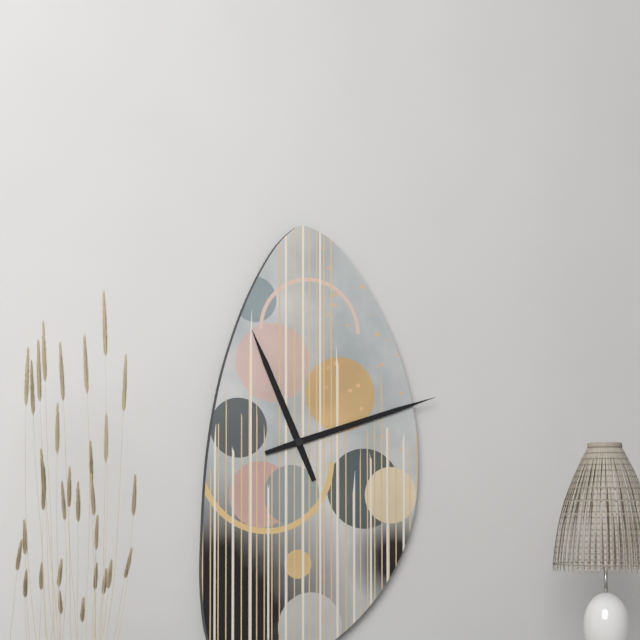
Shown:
**11:12**
